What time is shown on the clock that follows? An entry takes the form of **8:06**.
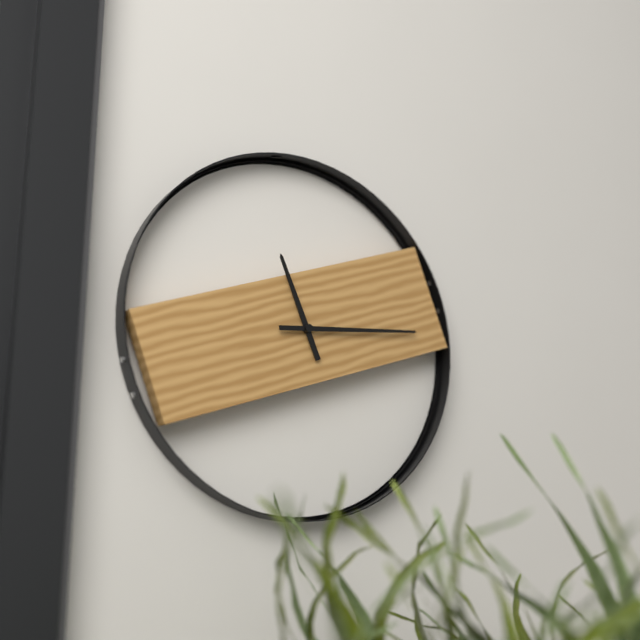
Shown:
**11:14**
